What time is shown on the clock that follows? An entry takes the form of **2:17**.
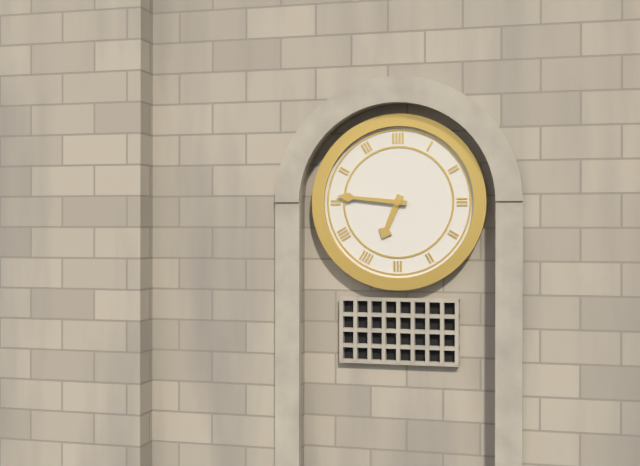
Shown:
**6:46**
